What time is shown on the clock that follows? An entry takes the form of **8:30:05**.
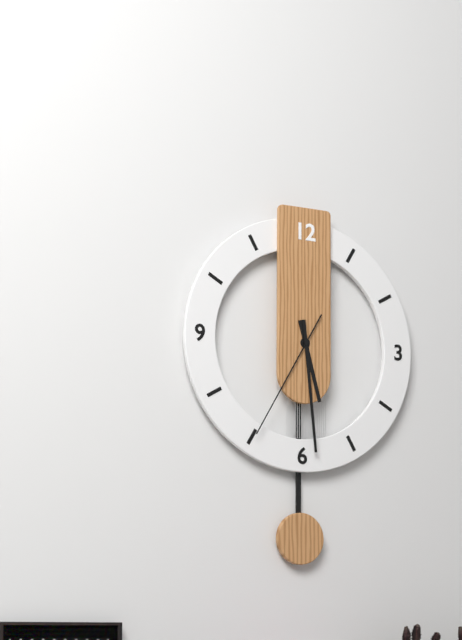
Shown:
**5:29:35**
